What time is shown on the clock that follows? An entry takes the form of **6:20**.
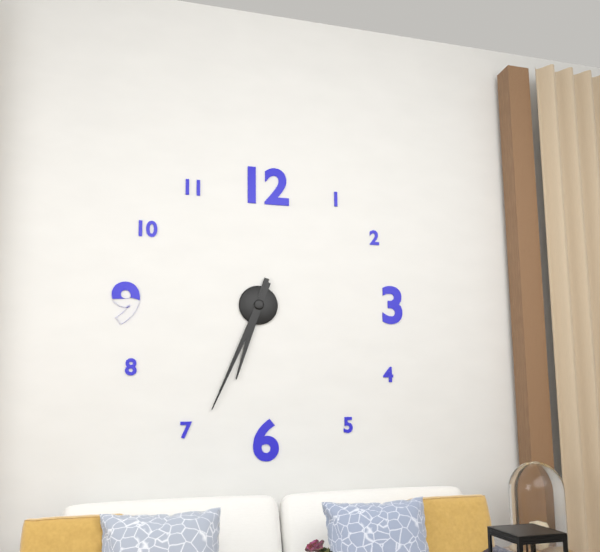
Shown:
**6:34**
